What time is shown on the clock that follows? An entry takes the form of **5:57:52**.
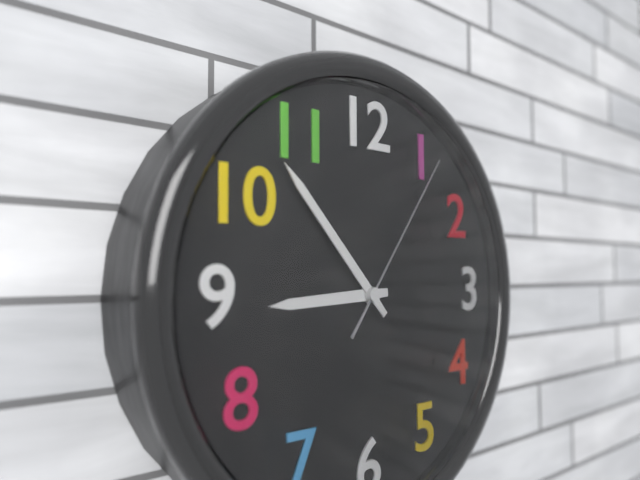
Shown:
**8:53:06**
